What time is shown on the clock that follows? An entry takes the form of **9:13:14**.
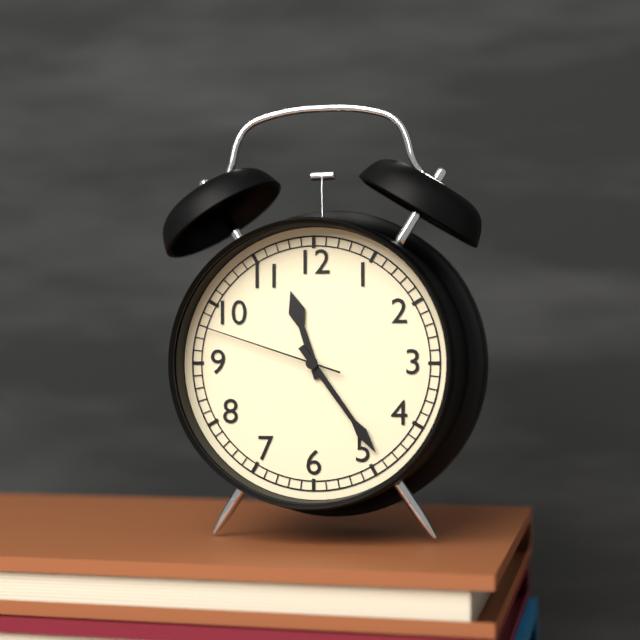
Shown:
**11:24:48**
